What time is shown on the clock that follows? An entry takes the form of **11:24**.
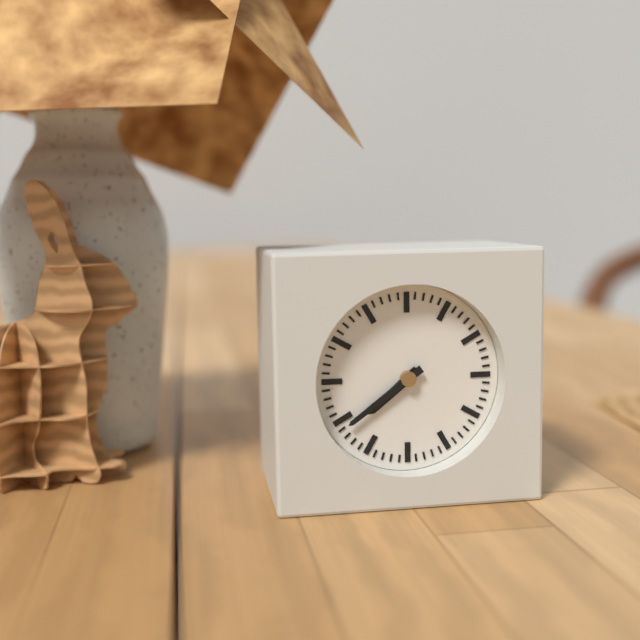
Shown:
**7:39**
